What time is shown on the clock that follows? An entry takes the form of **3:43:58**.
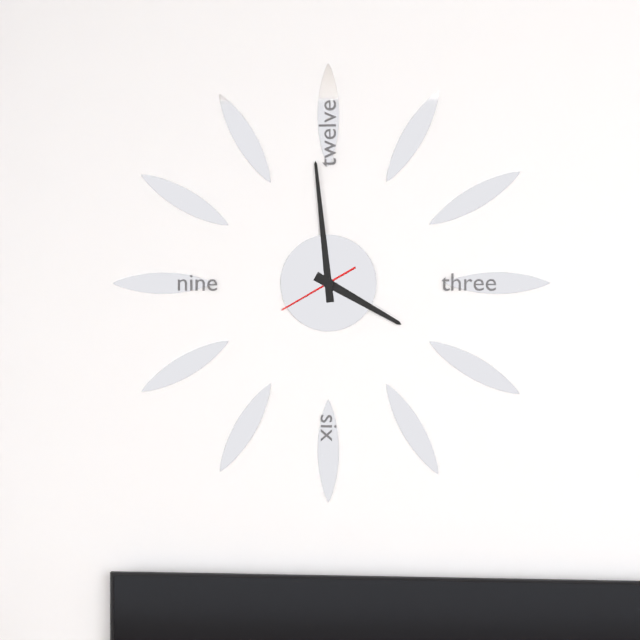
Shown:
**3:59:40**
